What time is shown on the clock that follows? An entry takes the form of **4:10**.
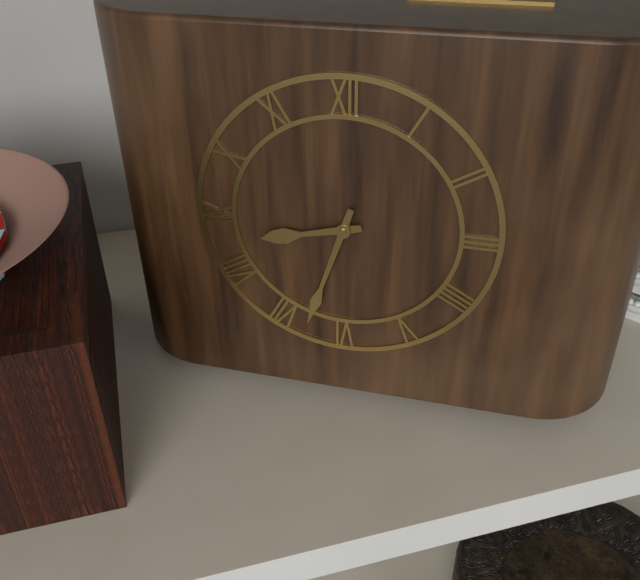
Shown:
**8:33**
